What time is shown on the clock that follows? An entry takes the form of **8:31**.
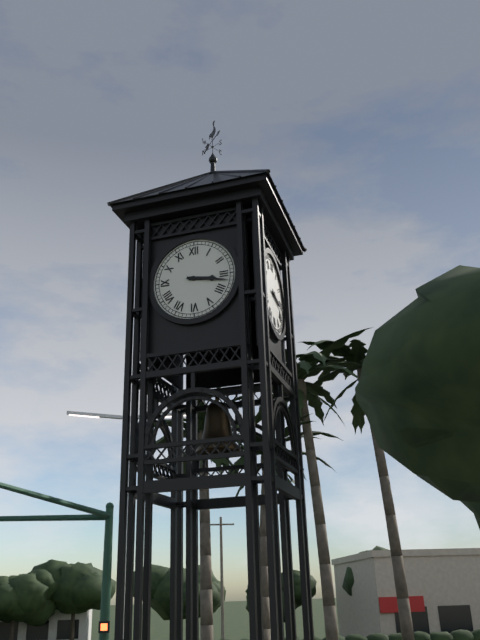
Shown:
**3:17**
